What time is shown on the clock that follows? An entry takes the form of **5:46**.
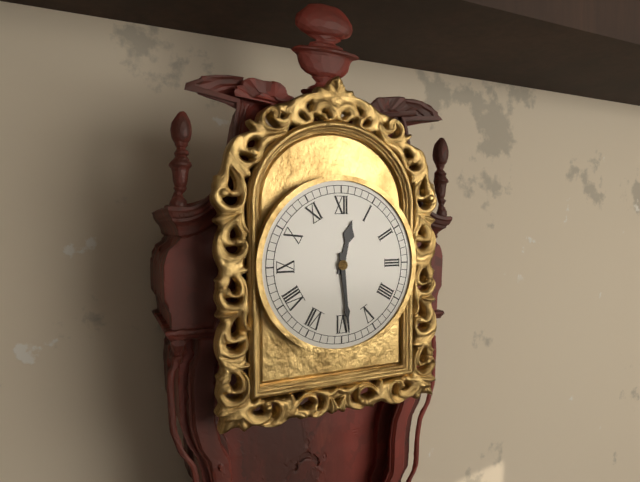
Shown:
**12:29**
